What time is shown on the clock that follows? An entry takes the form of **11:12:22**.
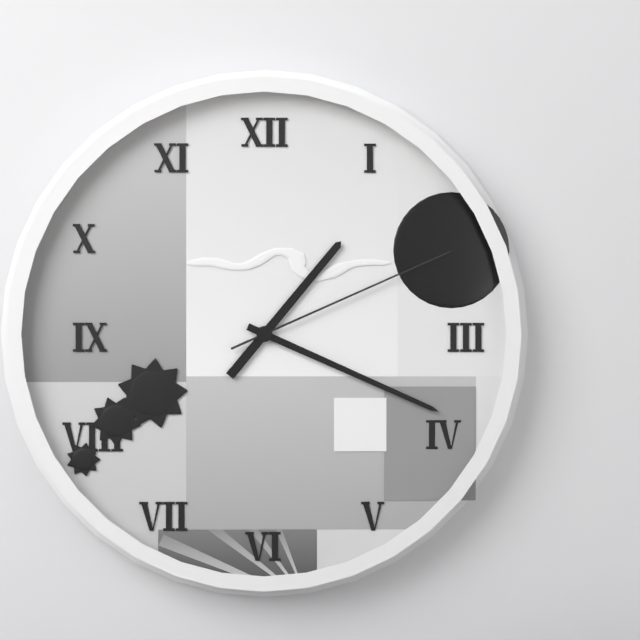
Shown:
**1:19:11**
